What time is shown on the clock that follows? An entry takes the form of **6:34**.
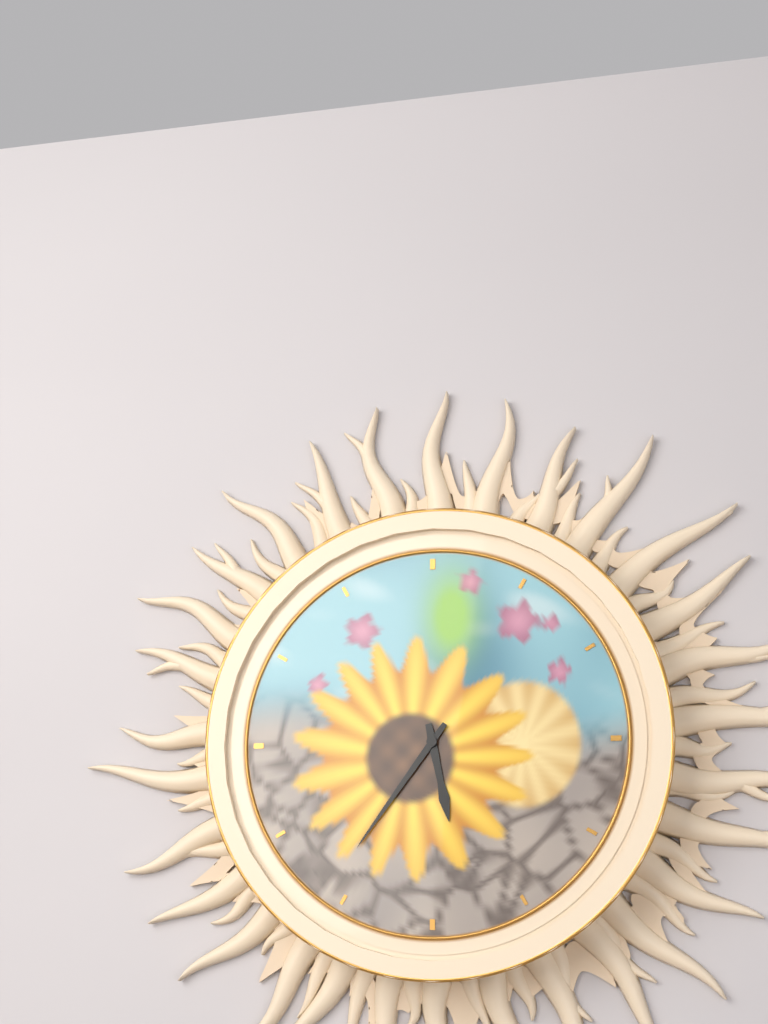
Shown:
**5:36**
